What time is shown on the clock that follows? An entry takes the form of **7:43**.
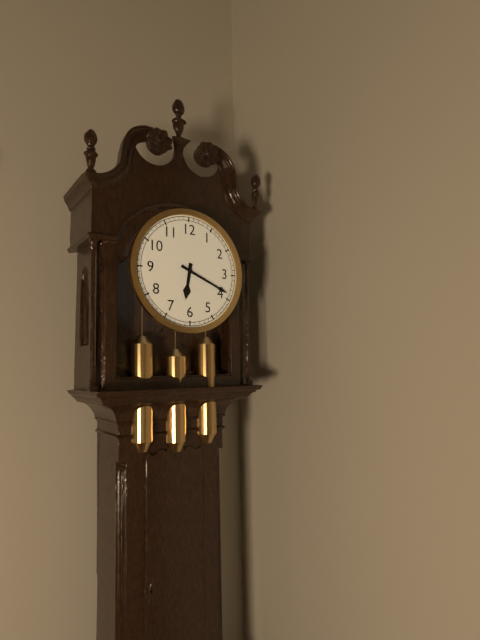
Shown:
**6:19**
